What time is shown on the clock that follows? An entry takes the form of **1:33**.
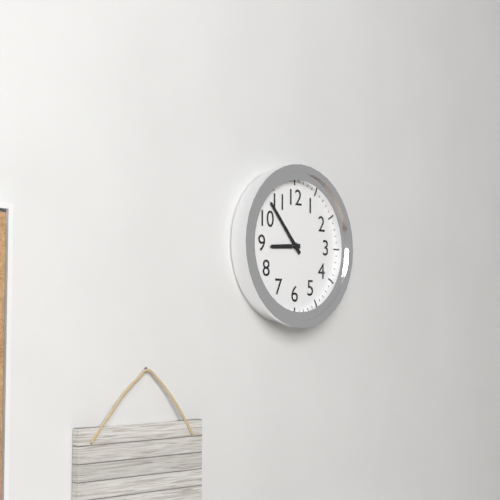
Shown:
**8:53**
